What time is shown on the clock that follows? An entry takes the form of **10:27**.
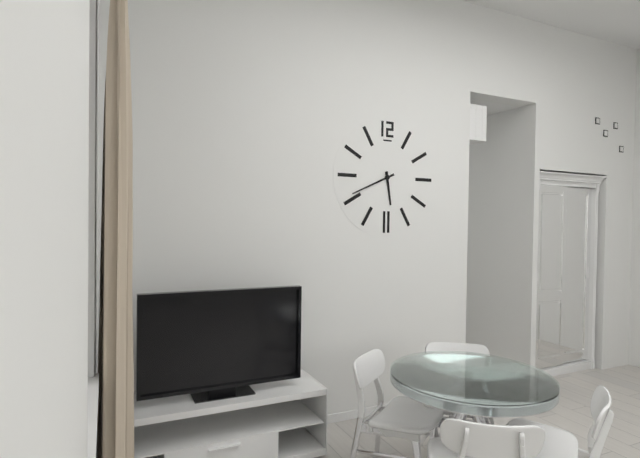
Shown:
**5:41**
